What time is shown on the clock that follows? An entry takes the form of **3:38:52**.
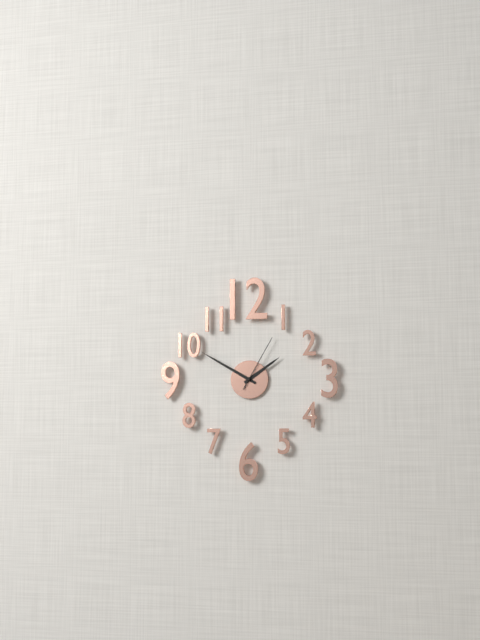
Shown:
**1:50:05**
